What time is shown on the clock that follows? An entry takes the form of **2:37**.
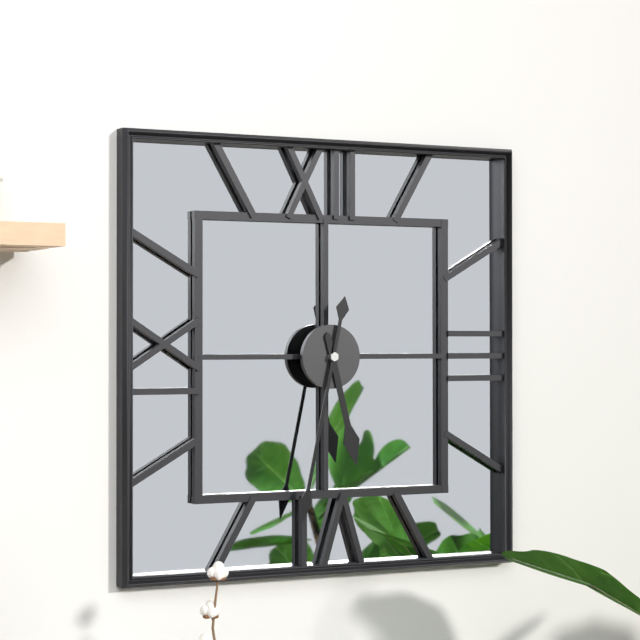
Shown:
**5:32**
